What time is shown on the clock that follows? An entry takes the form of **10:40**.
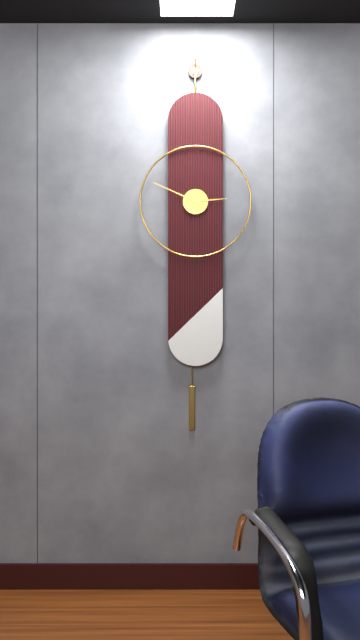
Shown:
**2:49**
